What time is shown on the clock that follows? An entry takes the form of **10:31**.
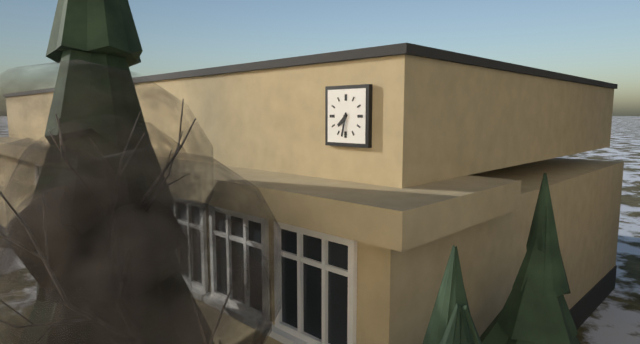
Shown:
**7:32**
